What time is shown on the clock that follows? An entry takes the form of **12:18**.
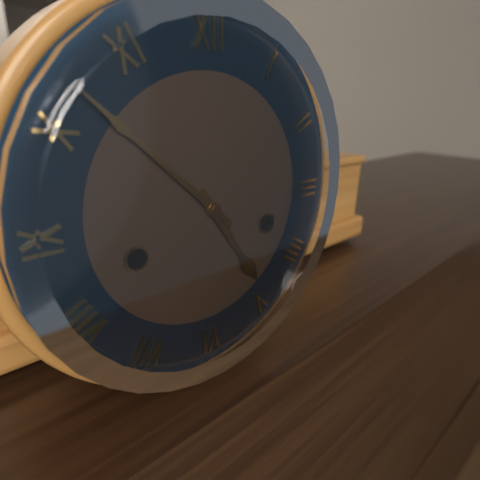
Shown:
**4:52**
